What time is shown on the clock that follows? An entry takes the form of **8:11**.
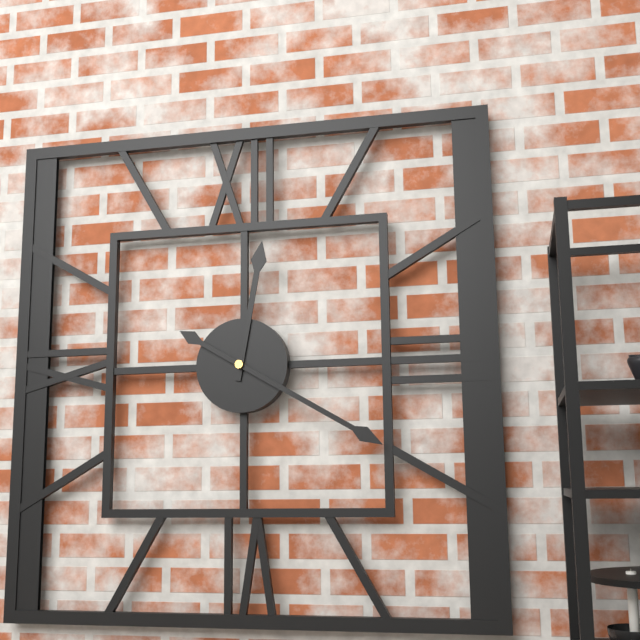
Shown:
**12:20**
